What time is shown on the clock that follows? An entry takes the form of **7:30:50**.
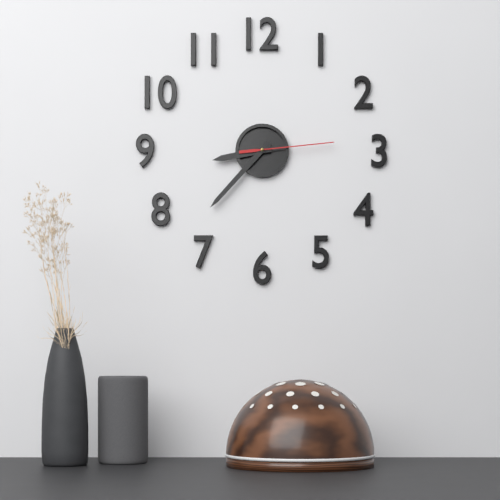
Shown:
**8:37:14**
